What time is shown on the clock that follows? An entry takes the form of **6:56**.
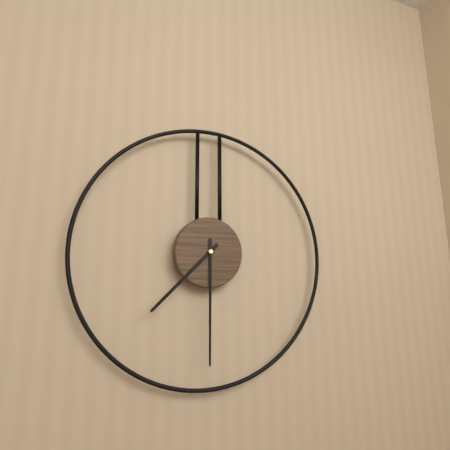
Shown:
**7:30**
